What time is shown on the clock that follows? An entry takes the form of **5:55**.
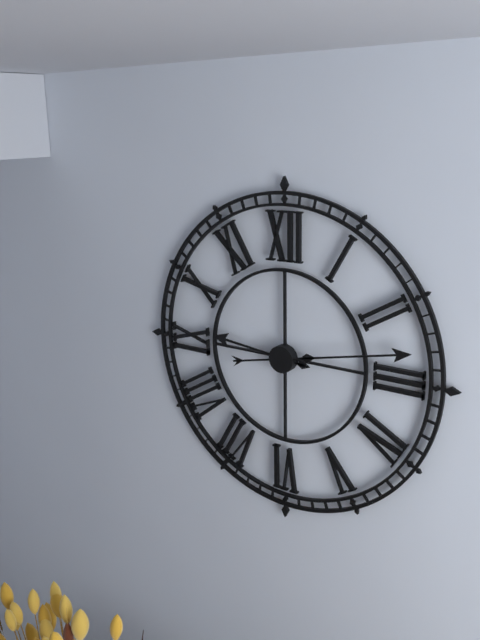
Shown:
**9:13**
